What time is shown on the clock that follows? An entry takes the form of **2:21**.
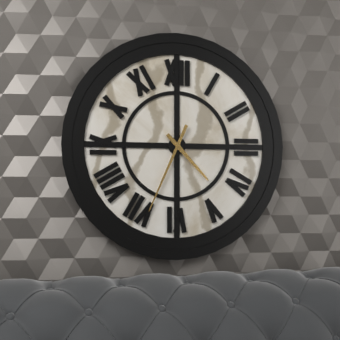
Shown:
**4:34**
